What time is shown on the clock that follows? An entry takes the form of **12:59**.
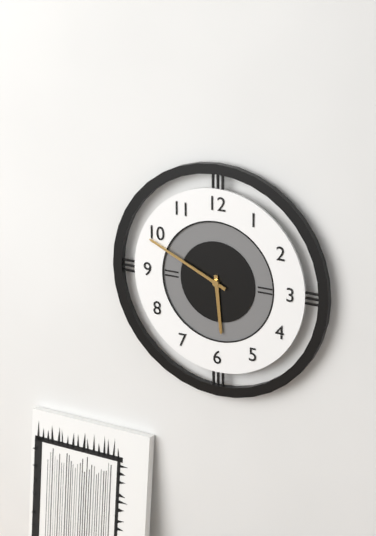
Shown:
**5:49**
